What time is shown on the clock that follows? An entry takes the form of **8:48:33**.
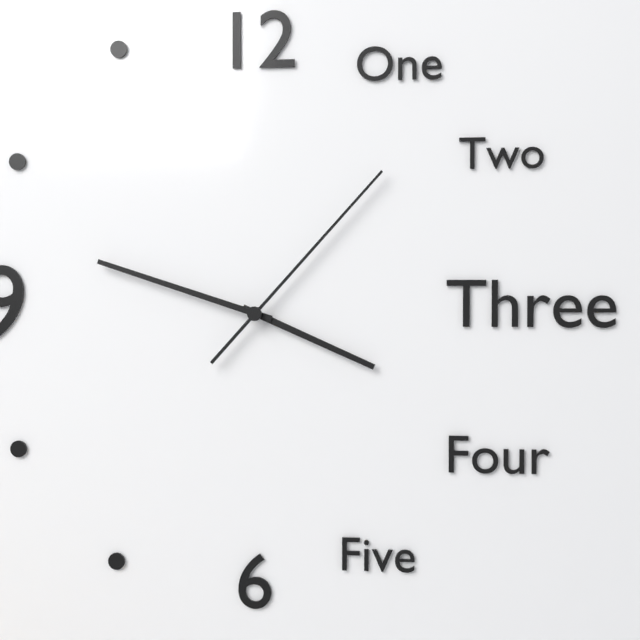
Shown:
**3:48:07**
